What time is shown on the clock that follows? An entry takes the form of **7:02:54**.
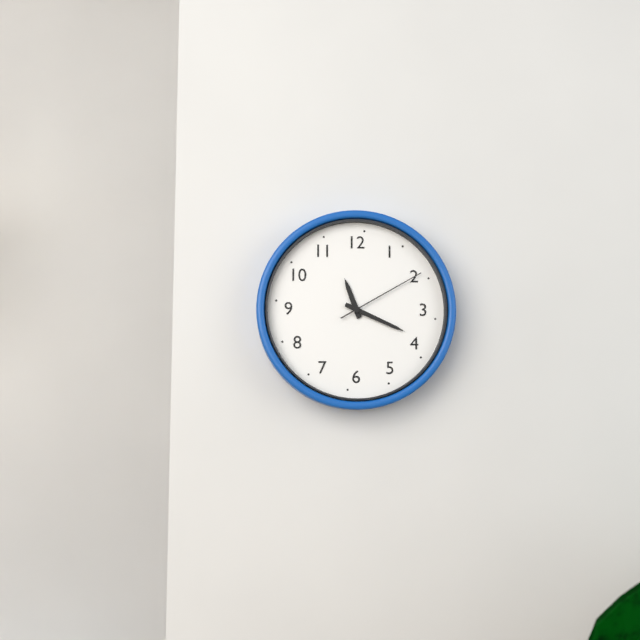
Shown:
**11:19:10**
